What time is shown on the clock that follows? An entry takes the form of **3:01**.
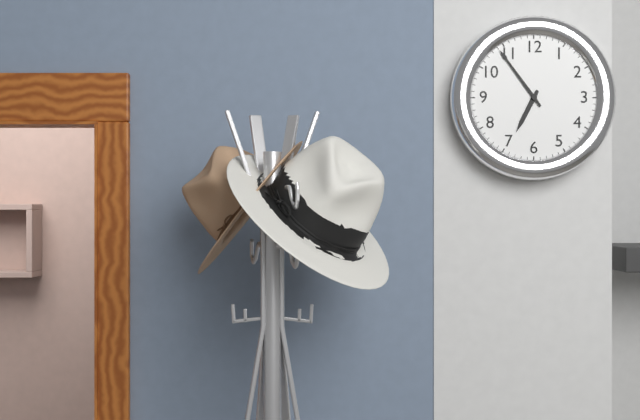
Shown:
**6:54**
